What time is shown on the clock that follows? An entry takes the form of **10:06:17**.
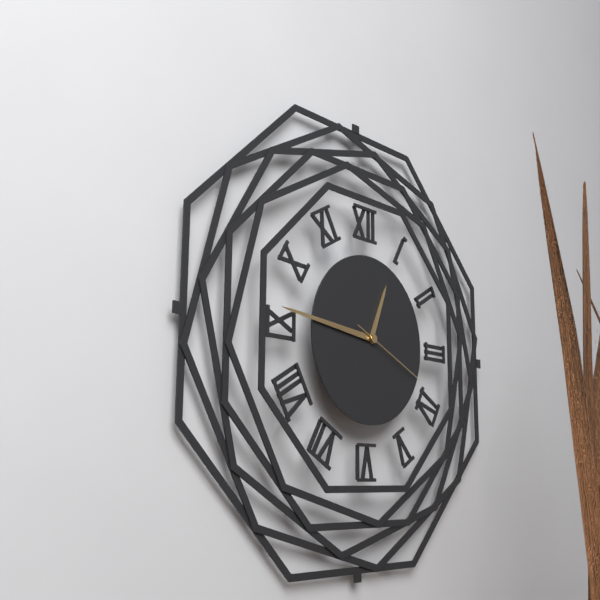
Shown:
**12:46:19**
